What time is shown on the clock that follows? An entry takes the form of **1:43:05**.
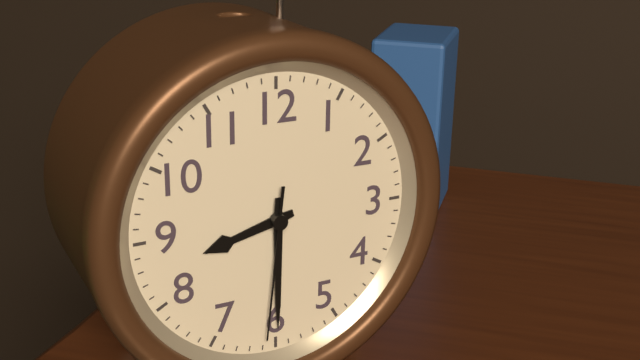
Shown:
**8:30:31**
